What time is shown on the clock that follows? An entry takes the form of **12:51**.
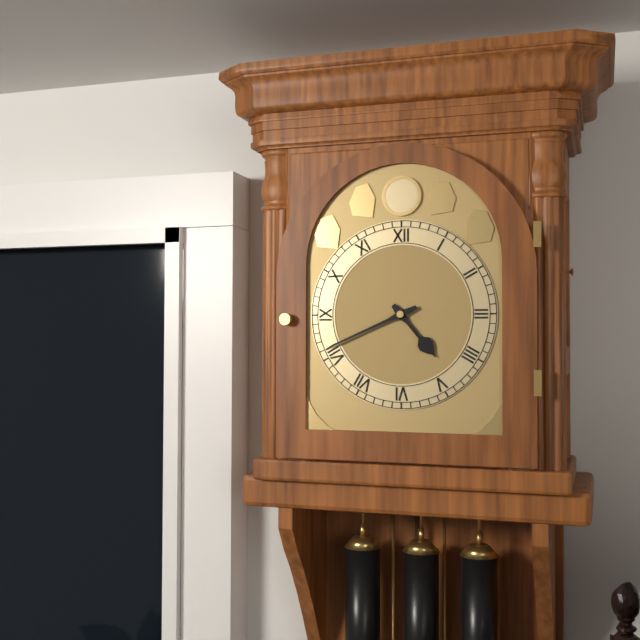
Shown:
**4:41**
